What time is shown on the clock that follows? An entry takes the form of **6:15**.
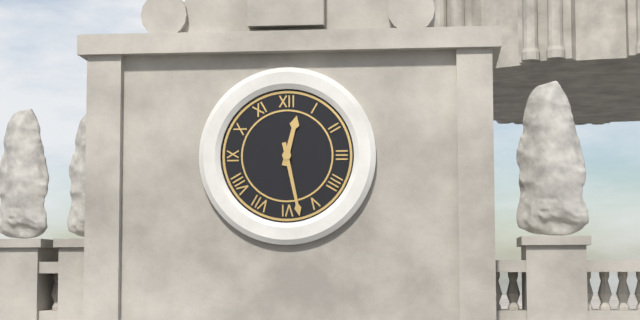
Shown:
**12:28**
